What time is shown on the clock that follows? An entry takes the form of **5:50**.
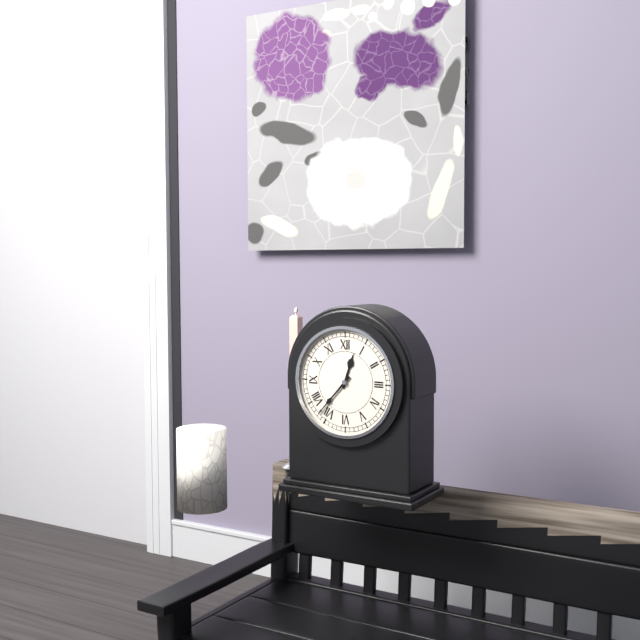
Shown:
**12:37**
